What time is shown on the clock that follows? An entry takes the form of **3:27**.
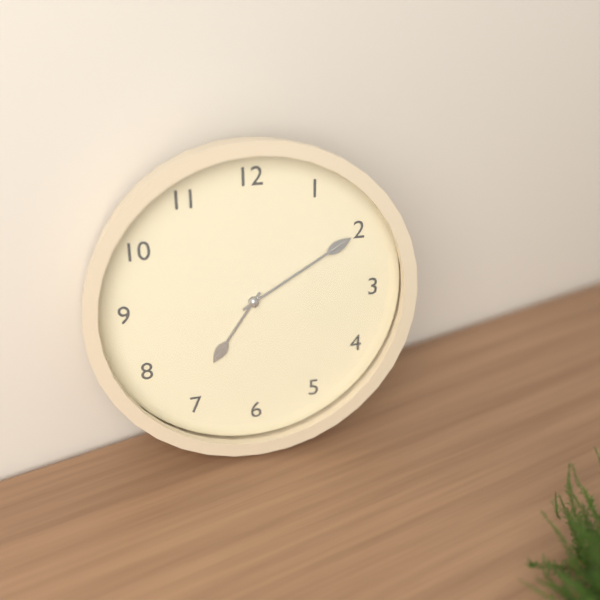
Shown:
**7:10**
